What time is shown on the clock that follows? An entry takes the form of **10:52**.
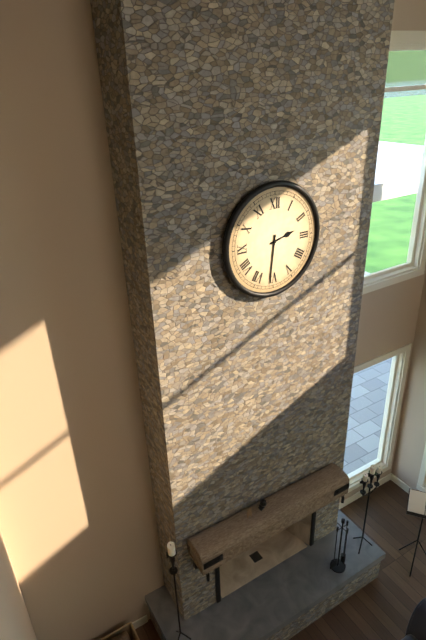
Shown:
**2:31**
